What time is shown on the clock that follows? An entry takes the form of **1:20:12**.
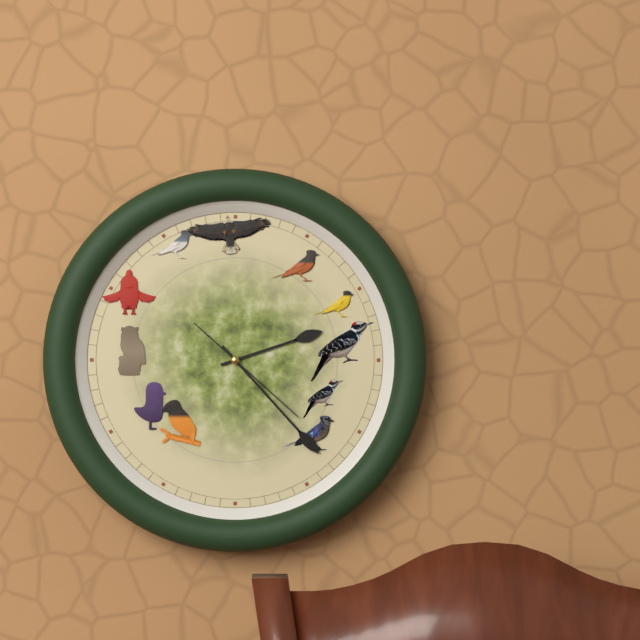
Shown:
**2:23:22**
